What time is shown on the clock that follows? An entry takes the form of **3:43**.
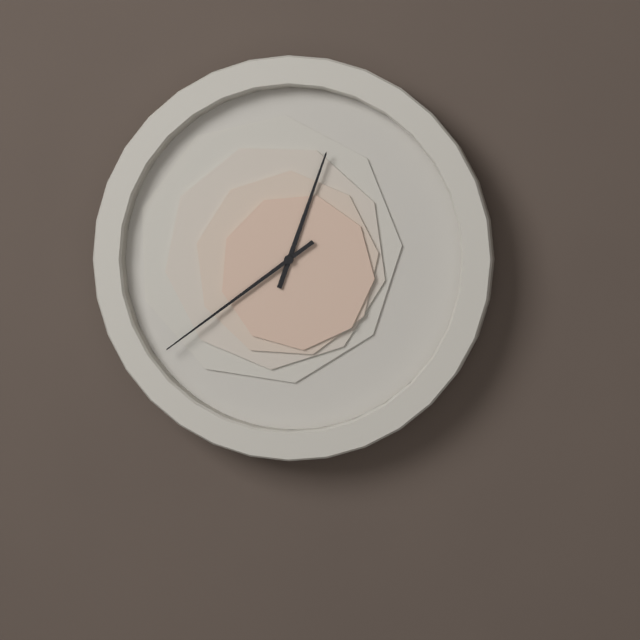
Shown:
**12:39**
